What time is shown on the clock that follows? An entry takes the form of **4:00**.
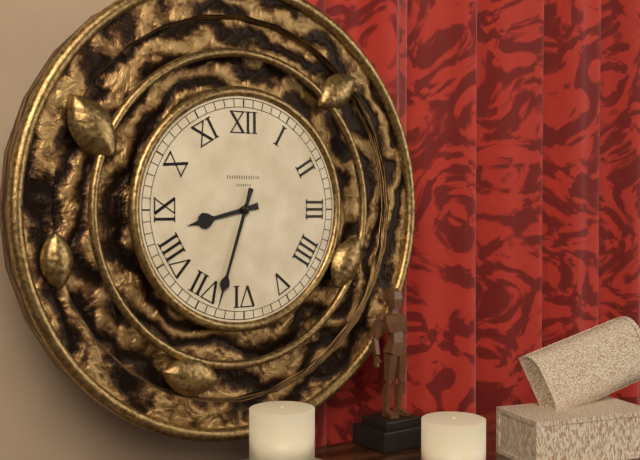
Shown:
**8:33**
